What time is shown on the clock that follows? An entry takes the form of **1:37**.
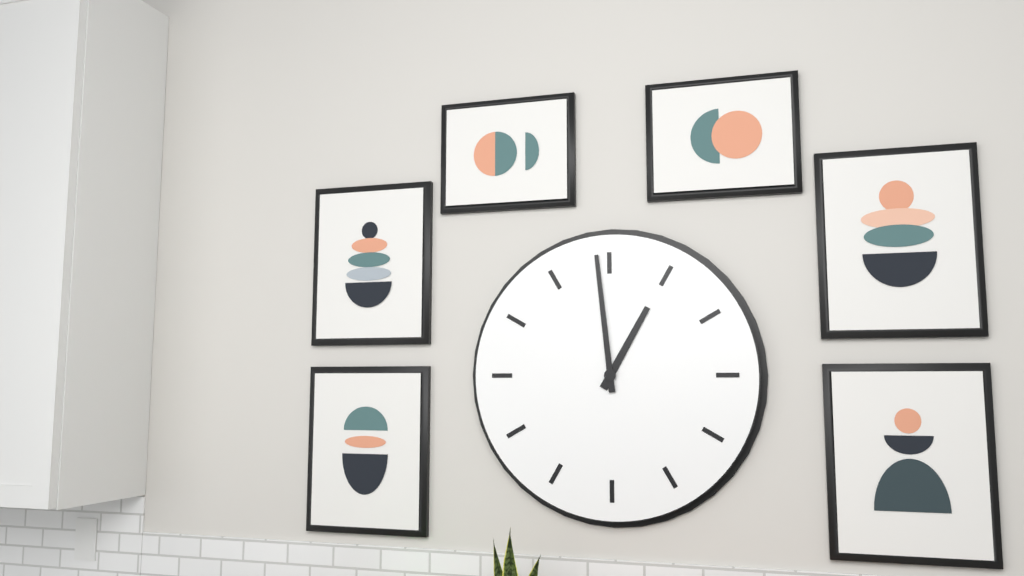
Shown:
**12:59**
